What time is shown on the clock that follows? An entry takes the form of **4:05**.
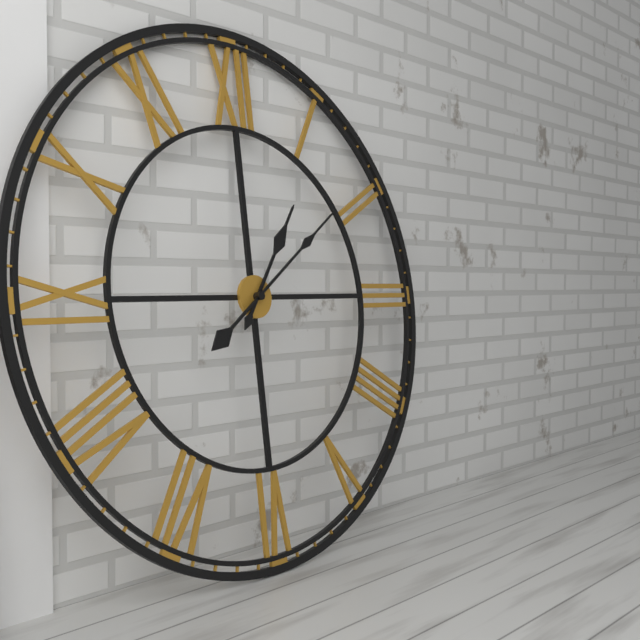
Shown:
**1:09**
